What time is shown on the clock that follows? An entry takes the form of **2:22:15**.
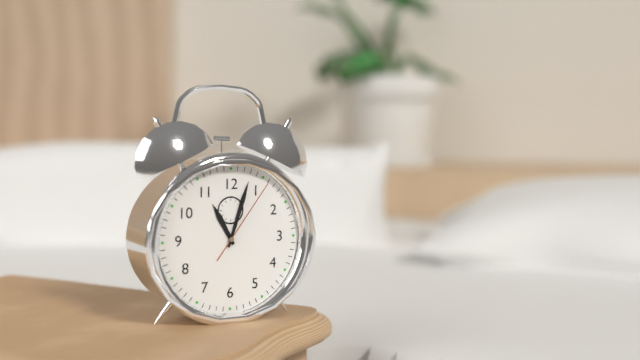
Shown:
**11:03:06**
